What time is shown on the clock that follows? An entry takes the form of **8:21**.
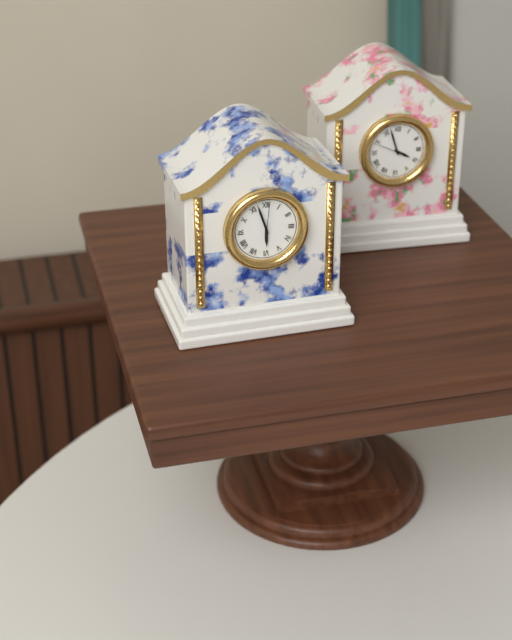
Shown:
**5:57**
